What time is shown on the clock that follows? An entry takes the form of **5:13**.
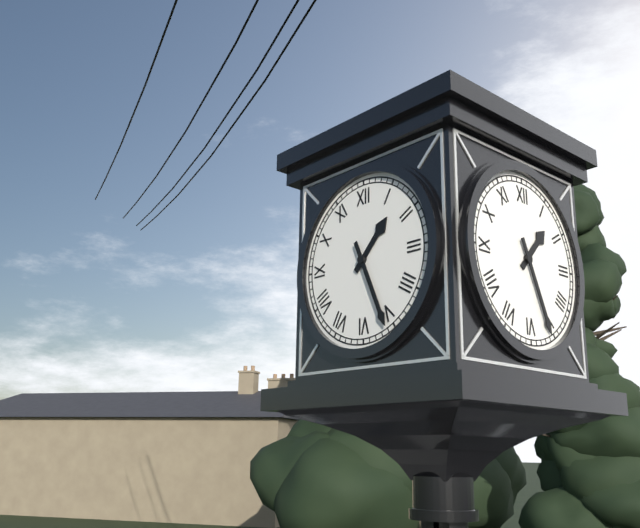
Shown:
**1:26**
